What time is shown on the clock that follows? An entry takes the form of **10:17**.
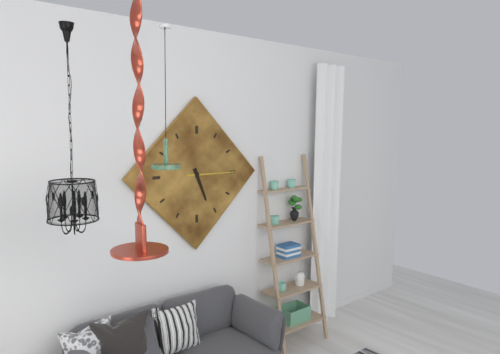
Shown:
**5:15**
